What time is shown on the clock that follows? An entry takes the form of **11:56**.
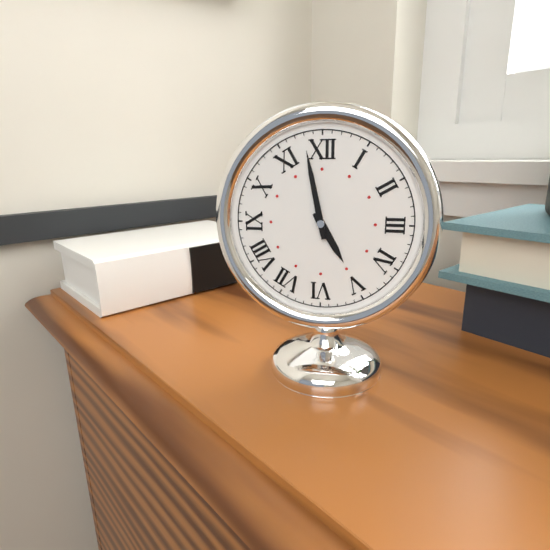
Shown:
**4:58**
